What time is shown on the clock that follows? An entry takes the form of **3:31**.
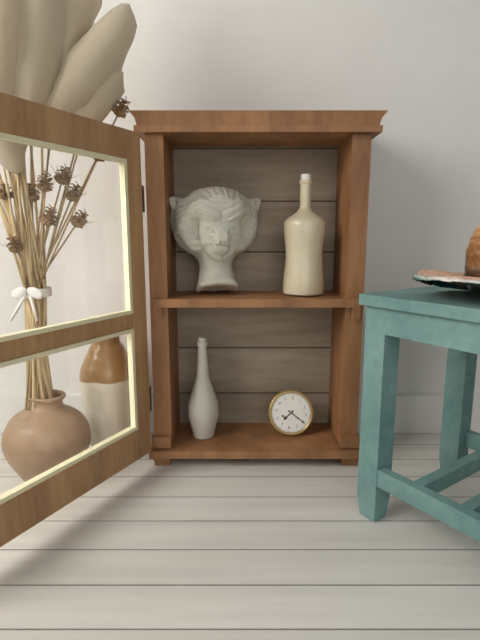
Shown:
**7:20**
